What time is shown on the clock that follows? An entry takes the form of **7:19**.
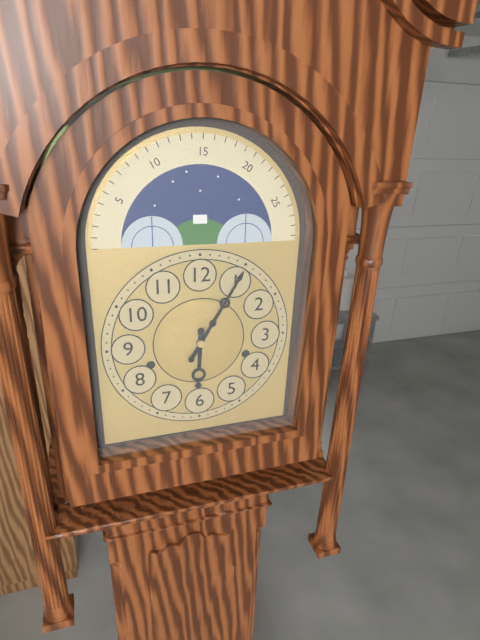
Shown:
**6:05**
